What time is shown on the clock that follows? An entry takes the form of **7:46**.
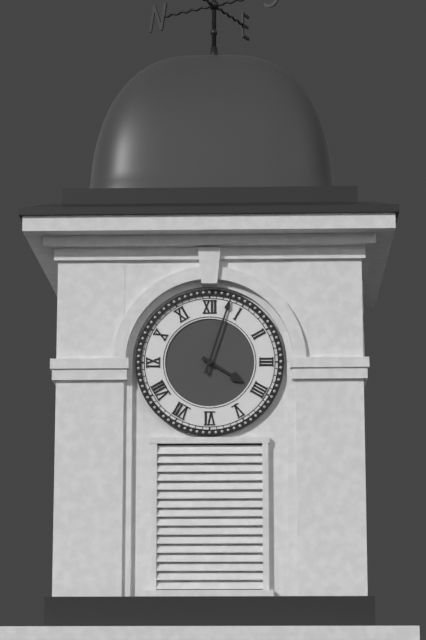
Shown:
**4:03**
